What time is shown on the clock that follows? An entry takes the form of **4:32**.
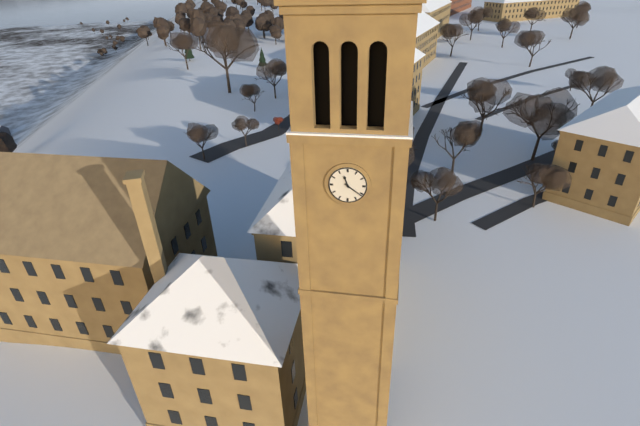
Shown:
**11:21**
